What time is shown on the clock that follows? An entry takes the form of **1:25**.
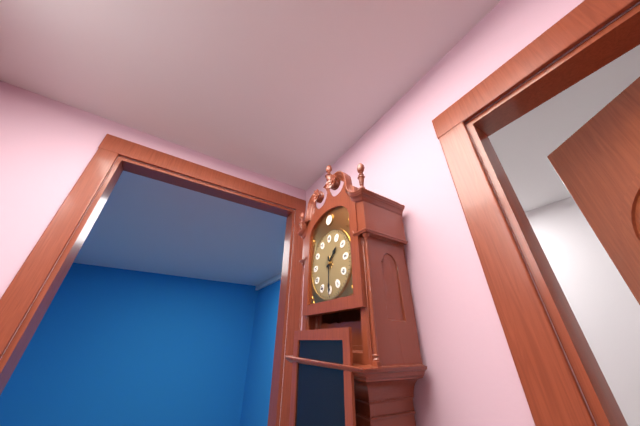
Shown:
**1:30**
